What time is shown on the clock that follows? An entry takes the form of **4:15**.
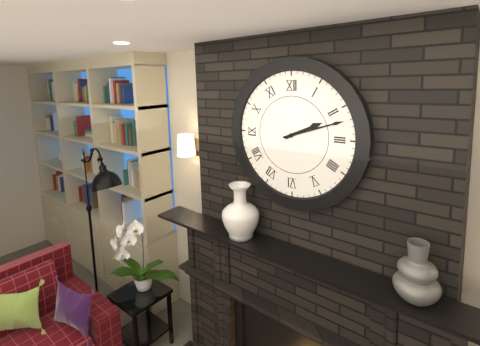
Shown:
**2:12**
